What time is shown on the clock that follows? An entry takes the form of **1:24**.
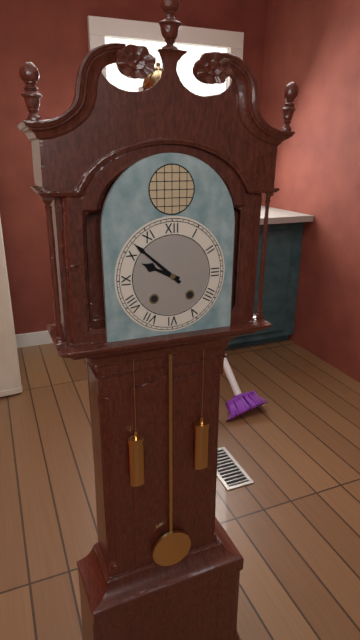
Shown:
**9:52**
